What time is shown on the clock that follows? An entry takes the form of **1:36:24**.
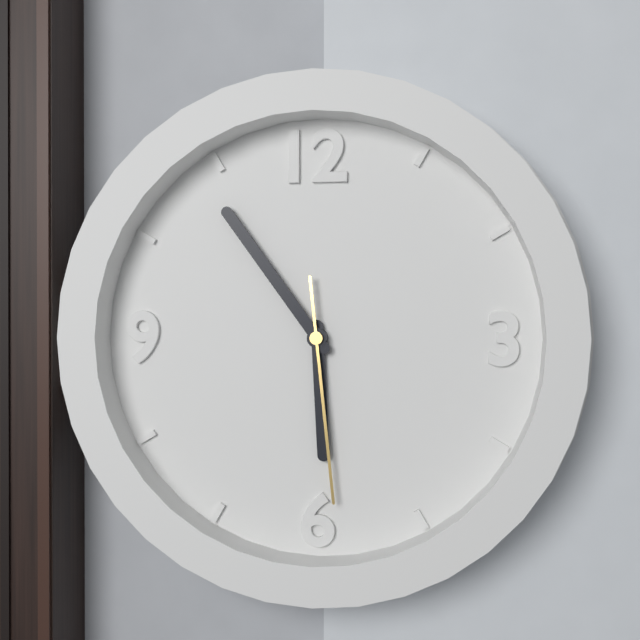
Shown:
**5:54:29**
